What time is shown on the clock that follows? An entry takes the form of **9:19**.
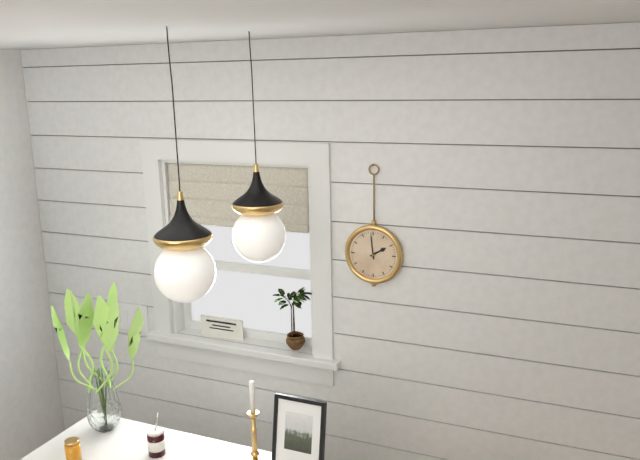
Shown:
**1:59**
